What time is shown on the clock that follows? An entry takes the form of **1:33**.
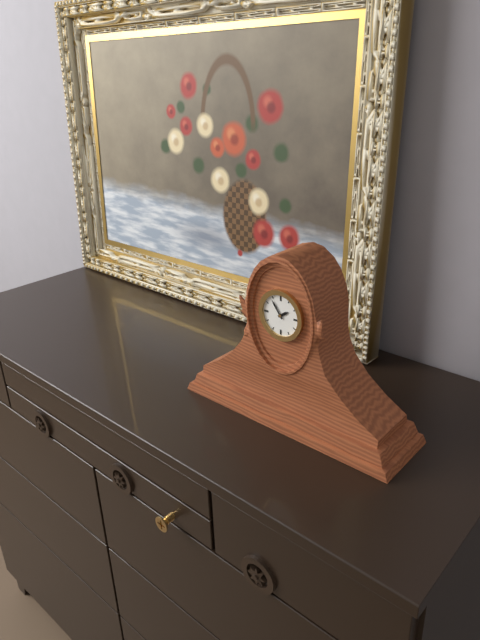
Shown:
**1:54**
